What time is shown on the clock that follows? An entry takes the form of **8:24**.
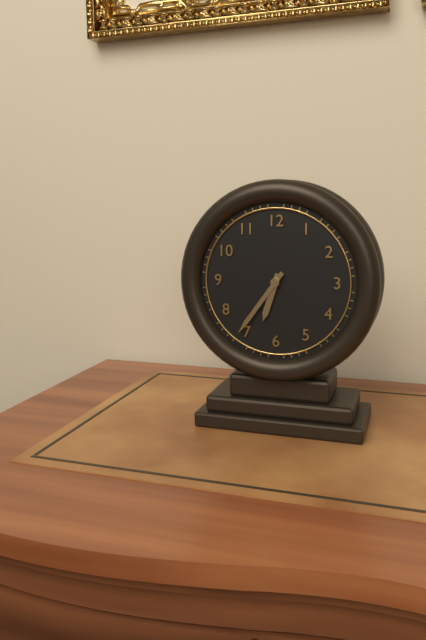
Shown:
**6:36**
